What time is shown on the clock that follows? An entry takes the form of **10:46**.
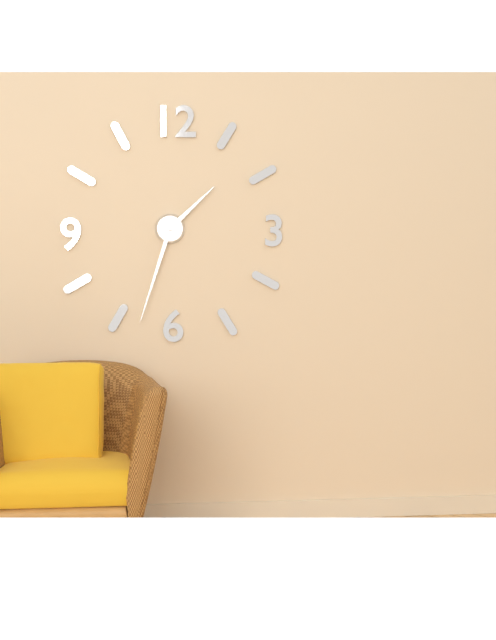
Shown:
**1:33**
